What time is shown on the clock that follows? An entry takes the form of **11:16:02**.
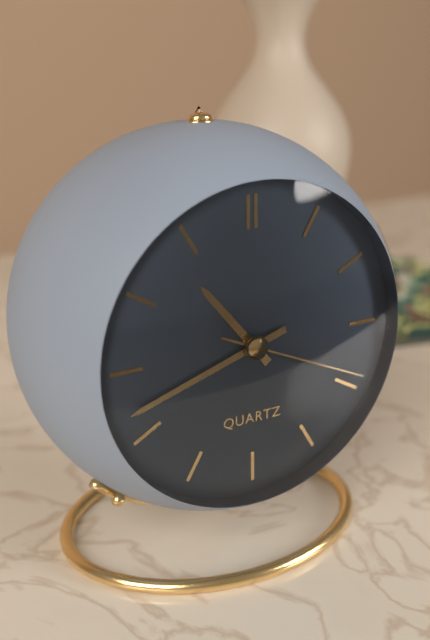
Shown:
**10:42:19**
